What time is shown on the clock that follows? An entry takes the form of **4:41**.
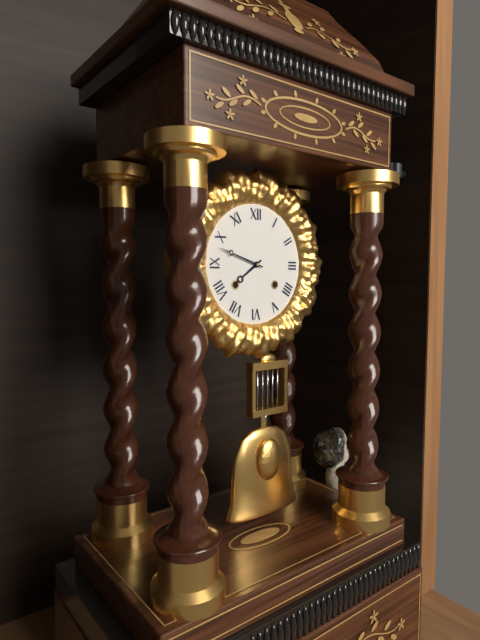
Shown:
**7:48**
